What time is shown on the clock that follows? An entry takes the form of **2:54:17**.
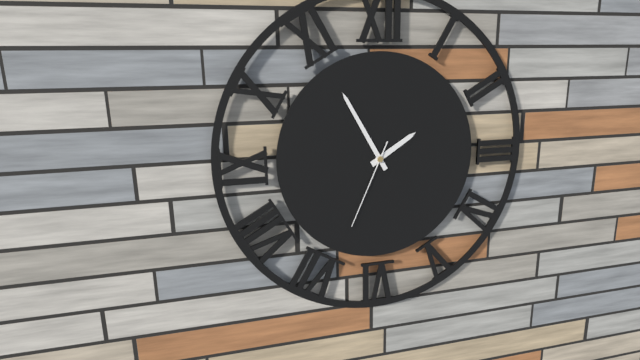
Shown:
**1:55:34**
